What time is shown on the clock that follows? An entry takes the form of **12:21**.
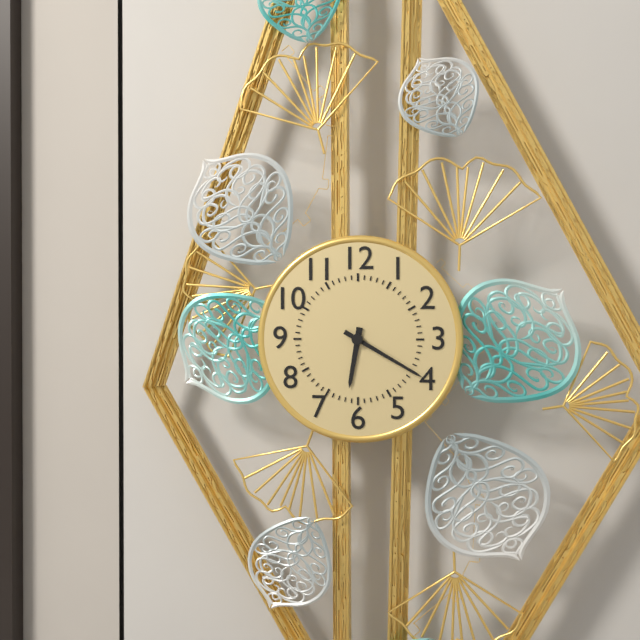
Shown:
**6:20**
